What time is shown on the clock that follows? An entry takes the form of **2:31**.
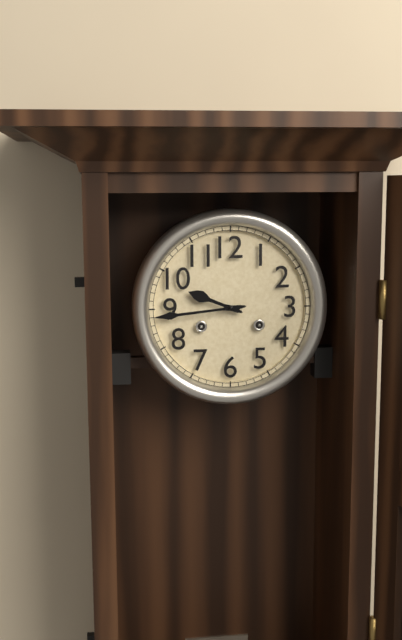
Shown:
**9:44**
